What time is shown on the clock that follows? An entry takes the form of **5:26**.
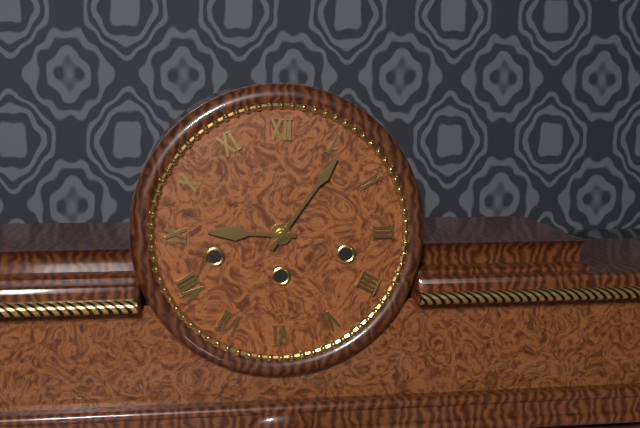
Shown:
**9:06**
